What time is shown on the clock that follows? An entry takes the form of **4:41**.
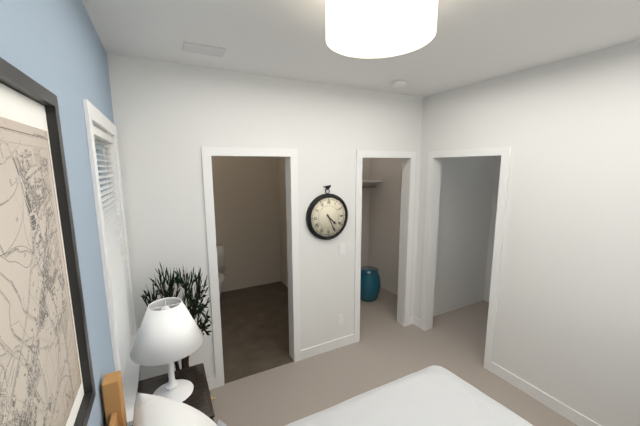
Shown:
**4:26**
